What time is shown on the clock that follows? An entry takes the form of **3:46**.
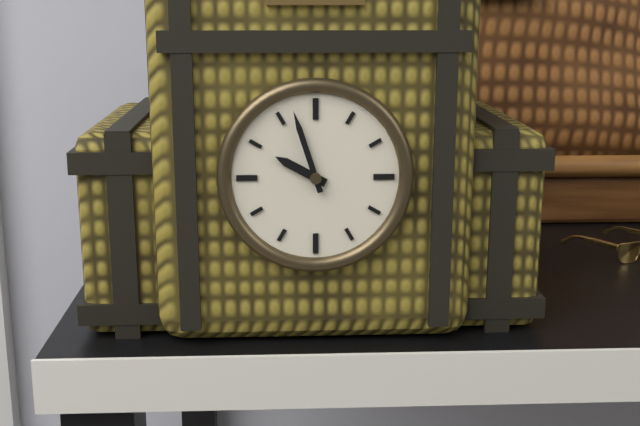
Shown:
**9:57**
